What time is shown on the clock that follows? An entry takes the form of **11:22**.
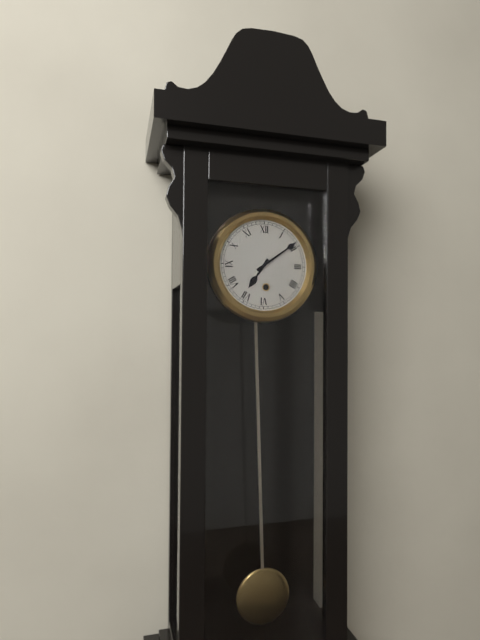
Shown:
**7:09**
